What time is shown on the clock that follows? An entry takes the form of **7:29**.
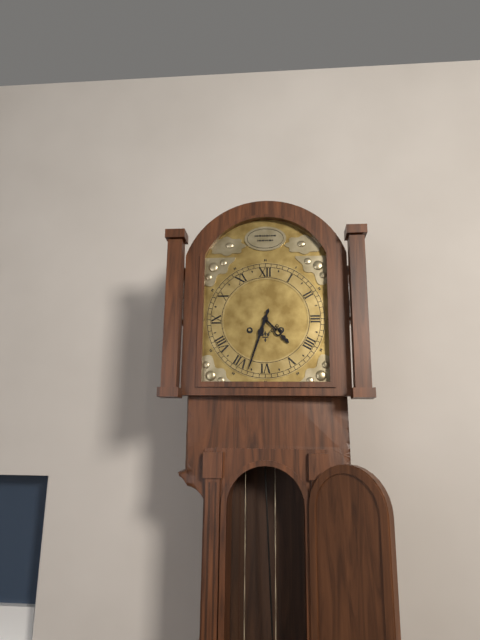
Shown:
**4:33**
